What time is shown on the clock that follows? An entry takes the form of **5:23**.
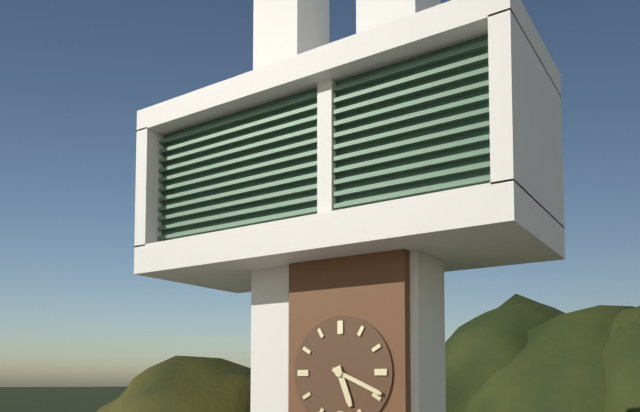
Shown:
**5:19**
